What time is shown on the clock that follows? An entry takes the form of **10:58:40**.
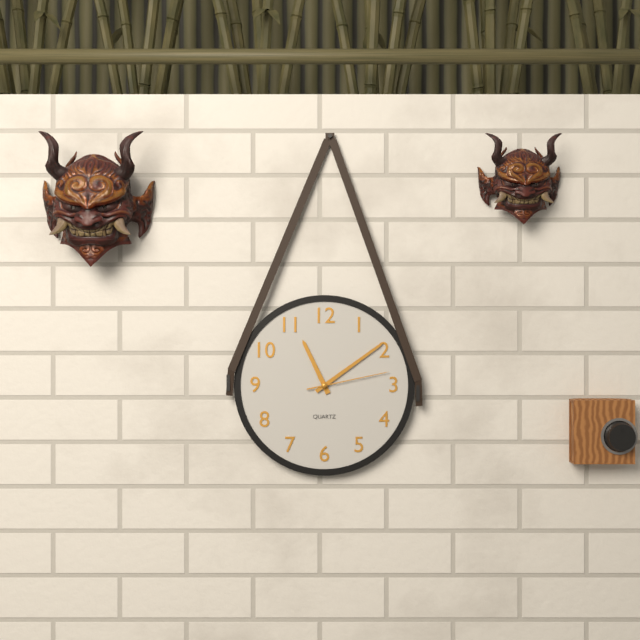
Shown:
**11:09:13**
